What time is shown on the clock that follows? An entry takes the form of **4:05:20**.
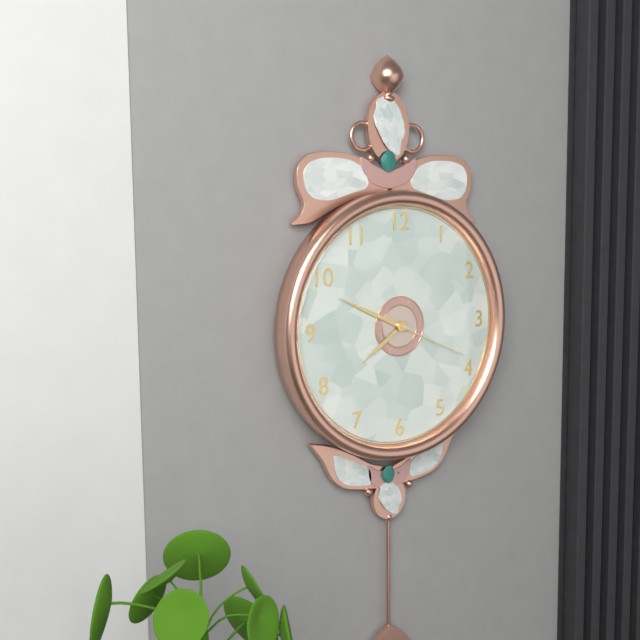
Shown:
**7:49:19**
